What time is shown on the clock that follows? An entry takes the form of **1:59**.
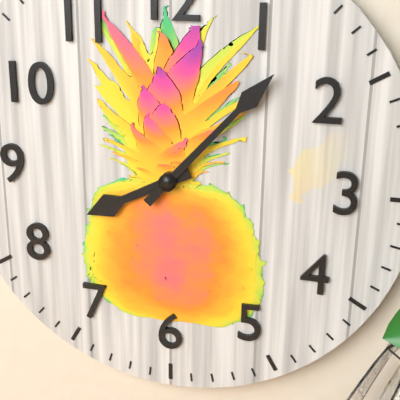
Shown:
**8:07**
